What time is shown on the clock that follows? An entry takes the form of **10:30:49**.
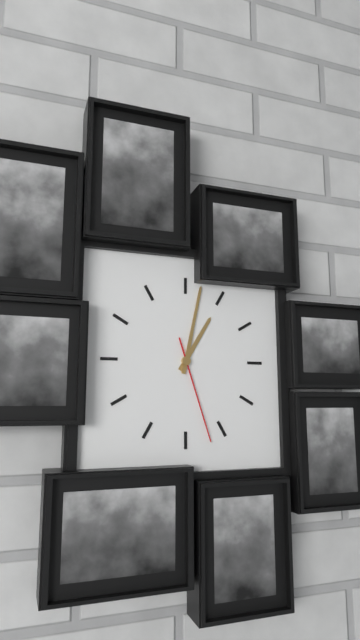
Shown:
**1:02:27**
